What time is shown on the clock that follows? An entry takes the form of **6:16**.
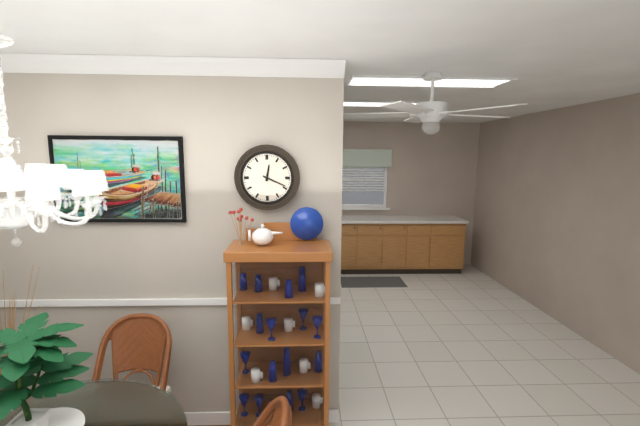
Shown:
**12:19**
